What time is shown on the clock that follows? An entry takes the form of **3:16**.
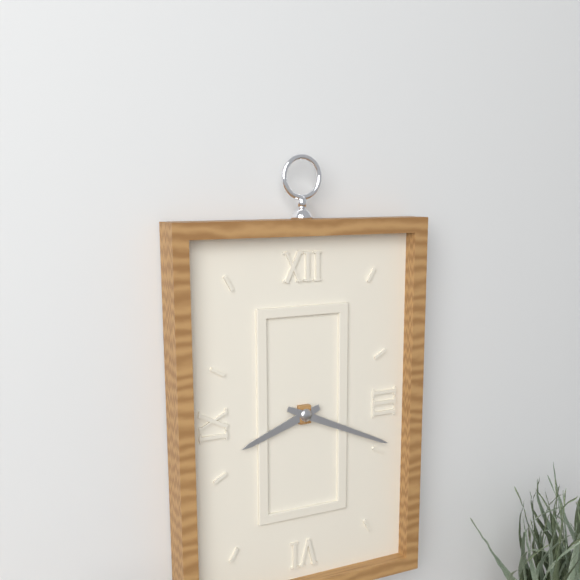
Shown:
**8:19**
